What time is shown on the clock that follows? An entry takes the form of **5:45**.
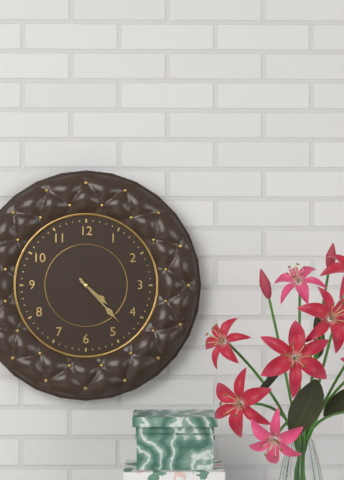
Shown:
**4:23**
